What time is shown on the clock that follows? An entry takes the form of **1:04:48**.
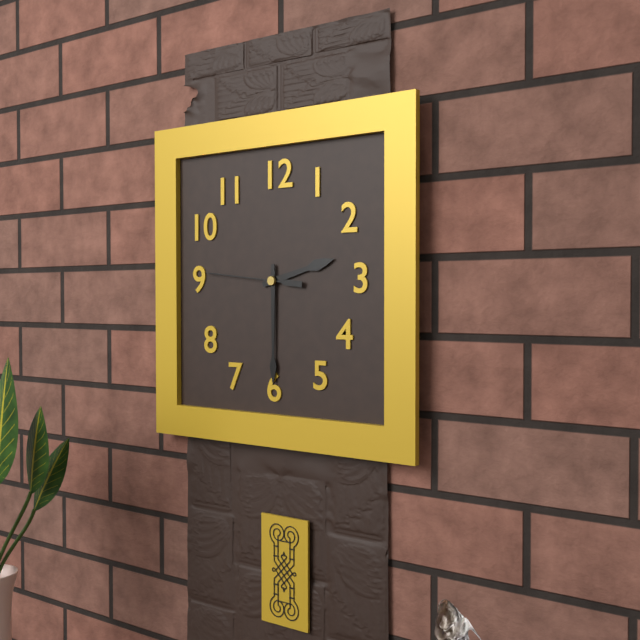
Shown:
**2:30:46**
